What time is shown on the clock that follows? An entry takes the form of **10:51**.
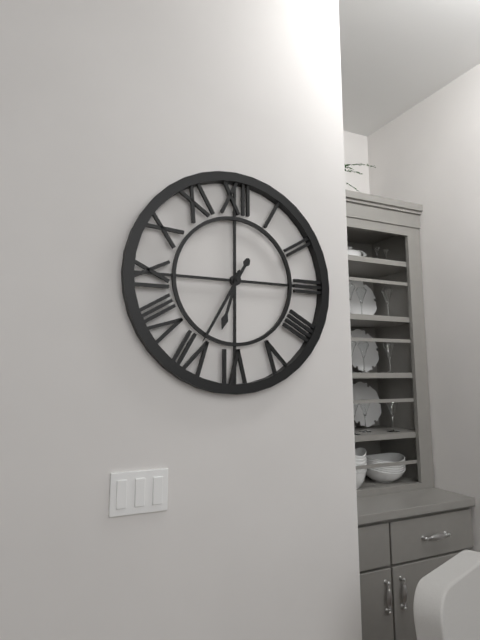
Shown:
**6:35**
